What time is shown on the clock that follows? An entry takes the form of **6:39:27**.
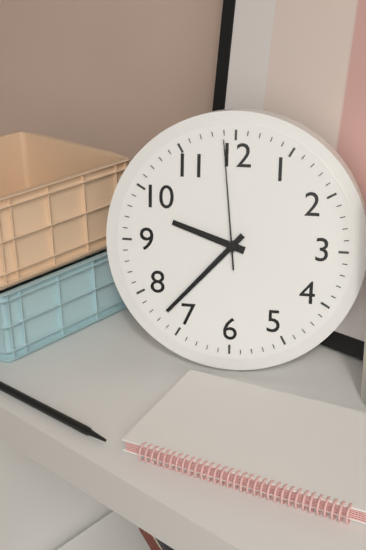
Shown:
**9:37:59**
